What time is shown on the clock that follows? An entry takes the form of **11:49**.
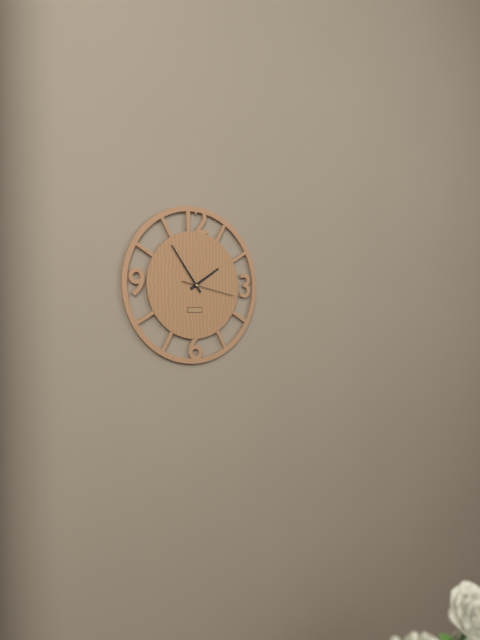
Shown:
**1:54**
